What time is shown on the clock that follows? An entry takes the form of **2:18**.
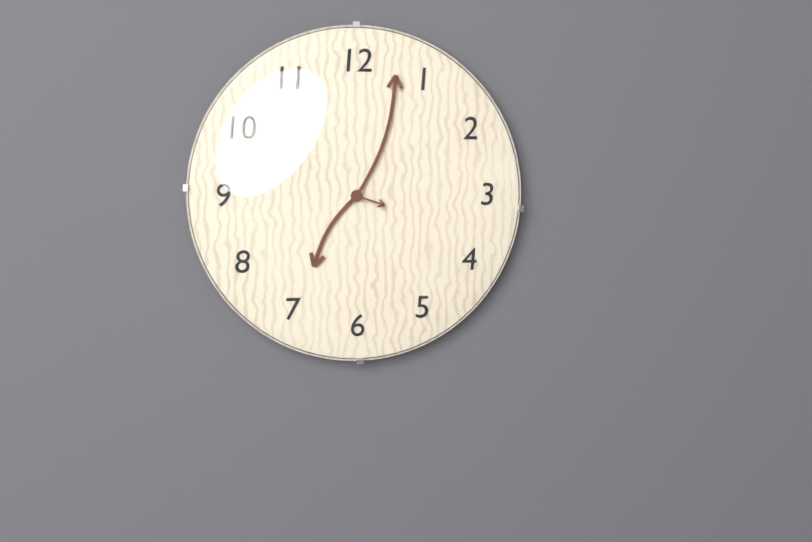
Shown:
**7:03**
